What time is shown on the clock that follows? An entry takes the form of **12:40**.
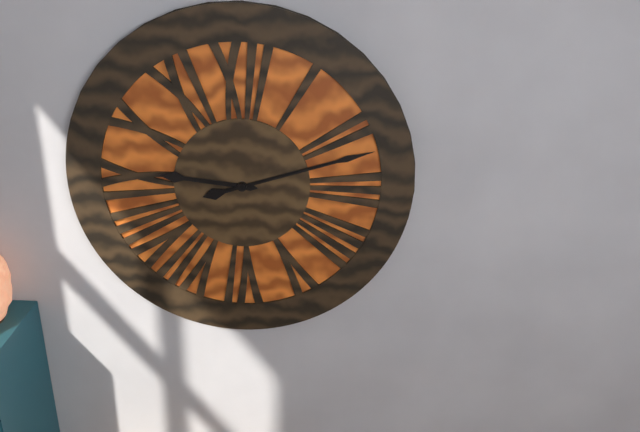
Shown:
**9:12**
